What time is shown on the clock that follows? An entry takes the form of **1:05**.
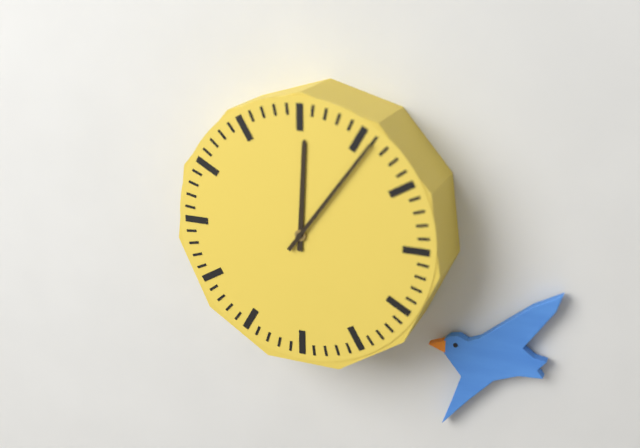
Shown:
**12:06**
